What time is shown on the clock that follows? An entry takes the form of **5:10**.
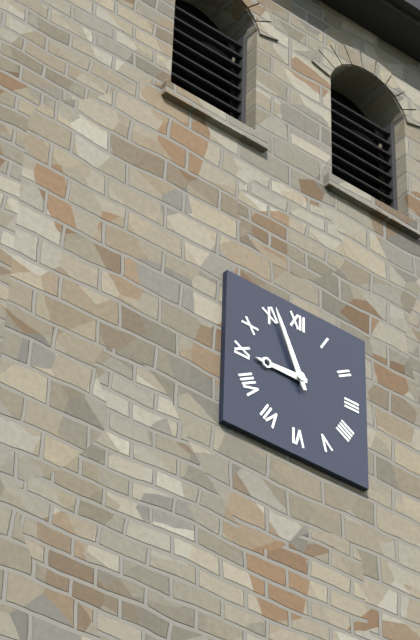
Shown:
**8:56**
